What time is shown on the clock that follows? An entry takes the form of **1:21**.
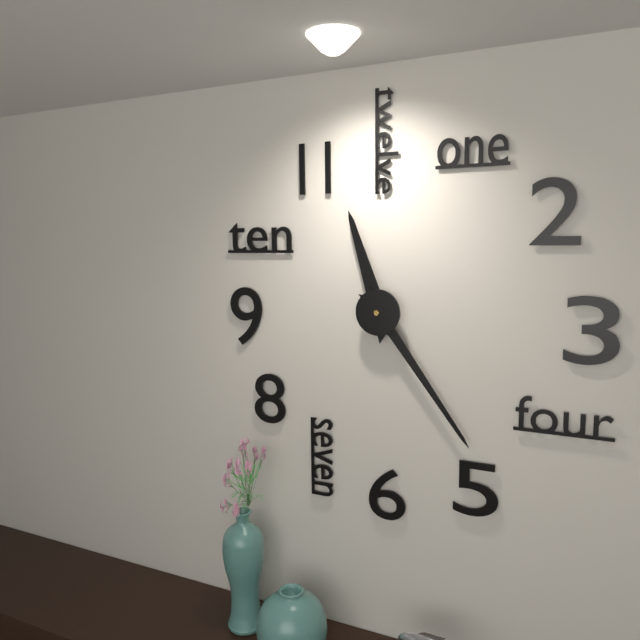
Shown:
**11:24**
